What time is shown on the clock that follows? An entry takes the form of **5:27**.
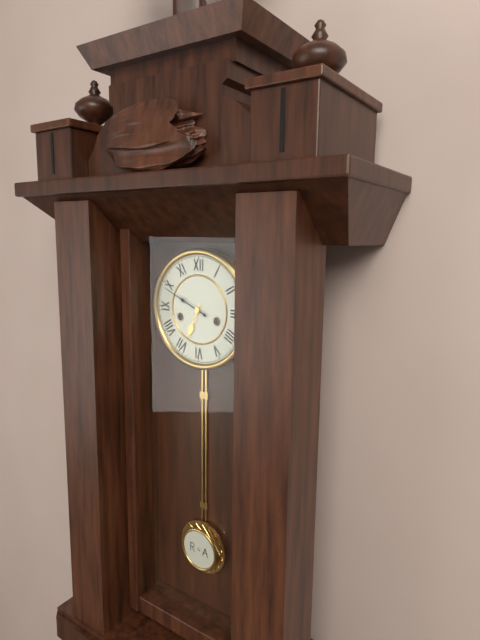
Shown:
**6:49**
